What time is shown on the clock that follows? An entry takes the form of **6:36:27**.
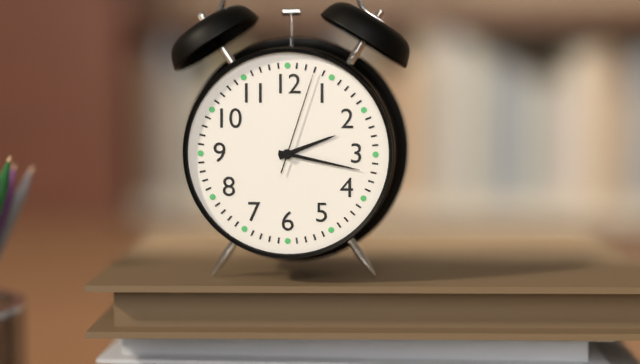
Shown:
**2:17:03**
